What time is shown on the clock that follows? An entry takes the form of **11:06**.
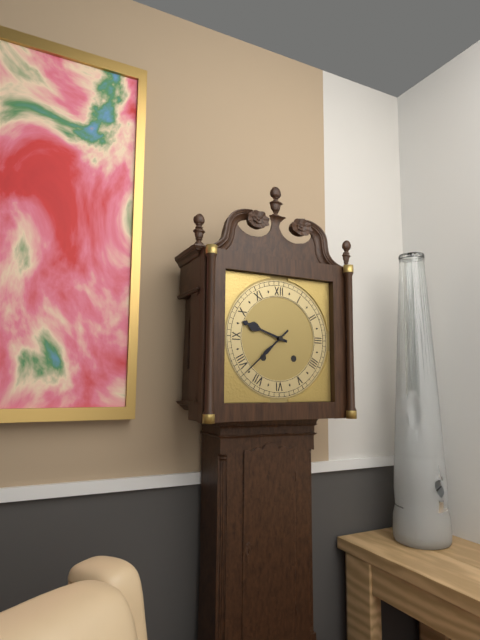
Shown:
**9:38**
